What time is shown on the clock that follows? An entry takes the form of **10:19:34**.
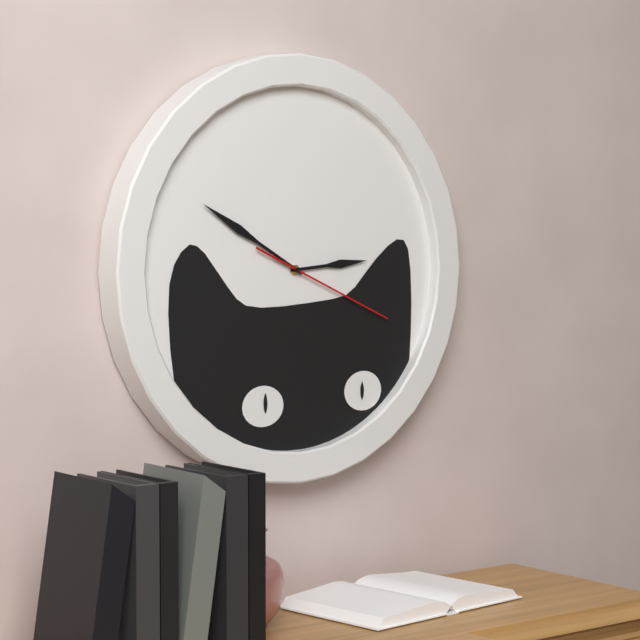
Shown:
**2:50:19**
